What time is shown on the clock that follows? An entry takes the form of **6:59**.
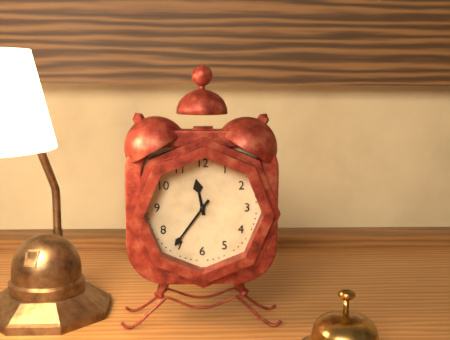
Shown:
**11:36**
